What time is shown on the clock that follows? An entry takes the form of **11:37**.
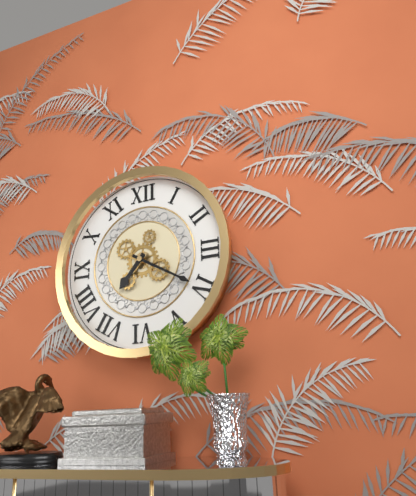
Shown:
**7:20**
